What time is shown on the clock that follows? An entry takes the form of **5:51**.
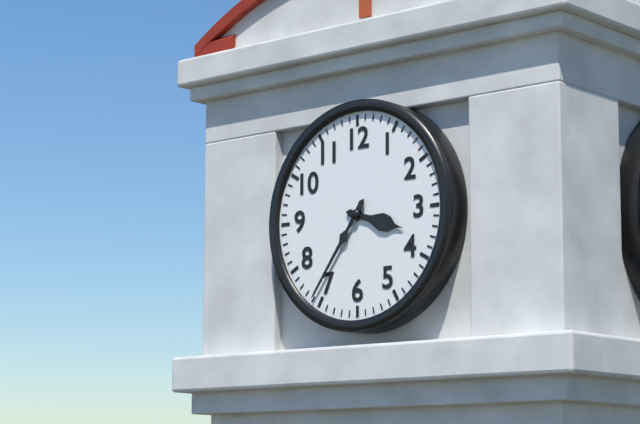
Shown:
**3:36**
